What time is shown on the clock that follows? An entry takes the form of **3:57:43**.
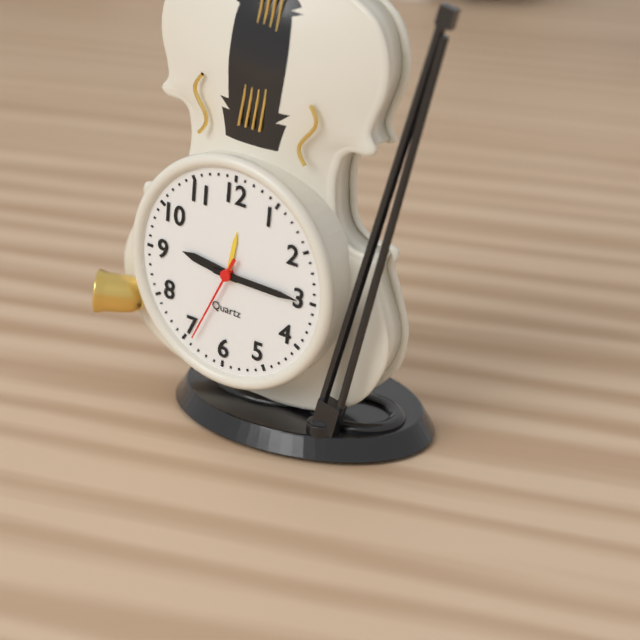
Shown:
**9:15:34**
